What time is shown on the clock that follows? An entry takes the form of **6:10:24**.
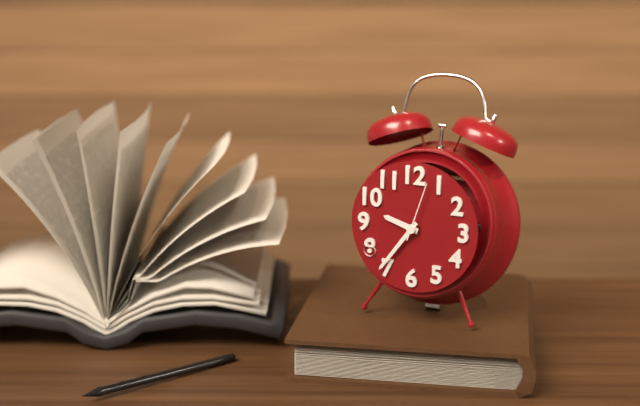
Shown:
**9:36:03**
